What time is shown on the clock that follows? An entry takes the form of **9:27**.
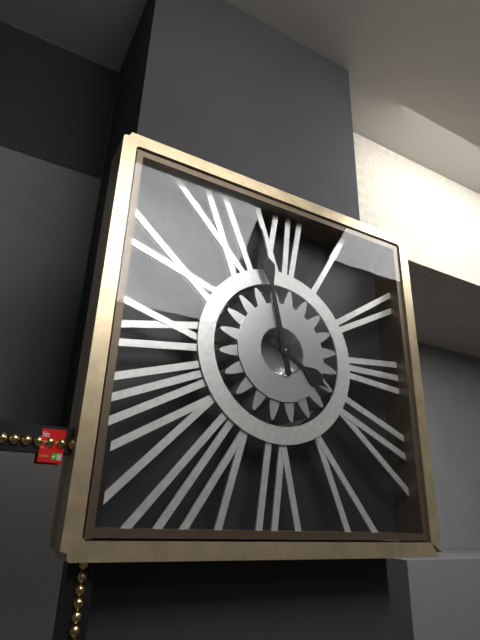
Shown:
**3:58**
